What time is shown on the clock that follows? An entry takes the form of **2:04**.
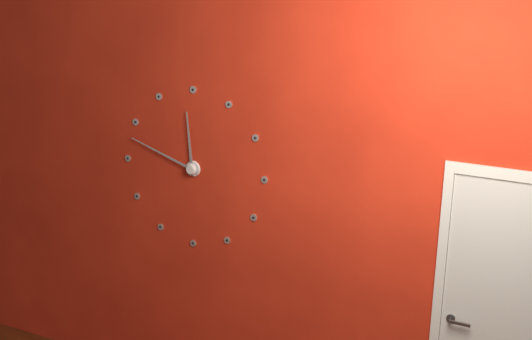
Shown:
**11:48**
